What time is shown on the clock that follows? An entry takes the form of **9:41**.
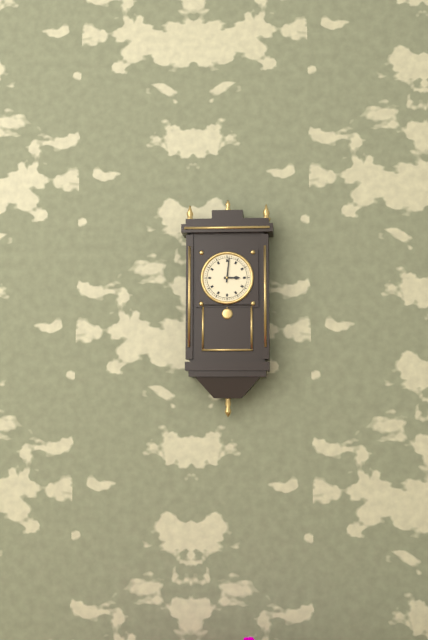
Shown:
**3:01**
